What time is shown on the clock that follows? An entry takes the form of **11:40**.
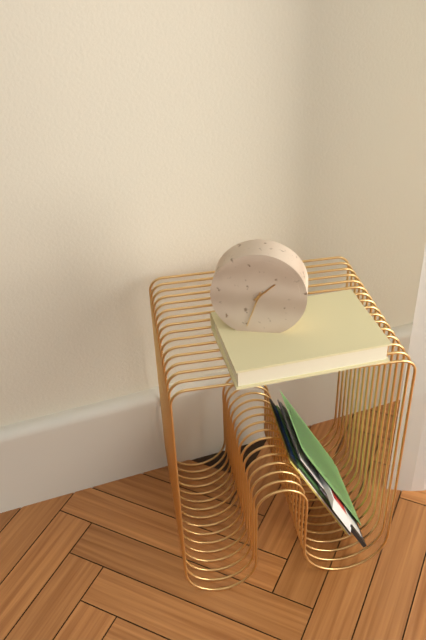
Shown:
**1:33**
